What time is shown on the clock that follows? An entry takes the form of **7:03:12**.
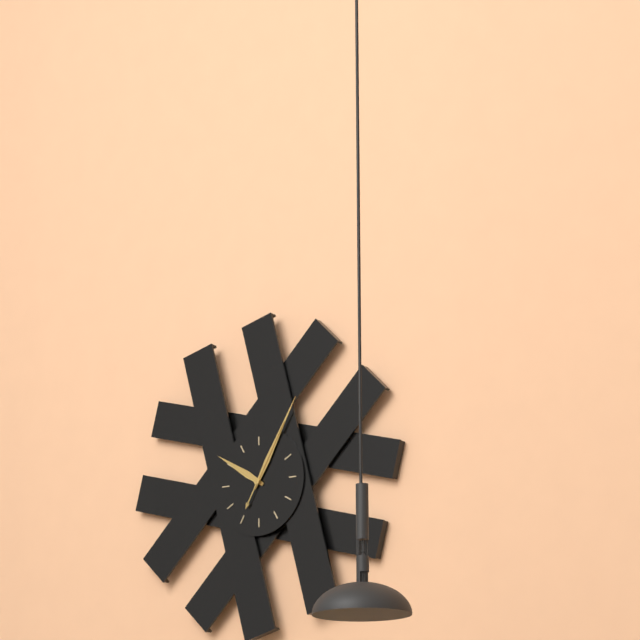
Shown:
**10:05:05**
